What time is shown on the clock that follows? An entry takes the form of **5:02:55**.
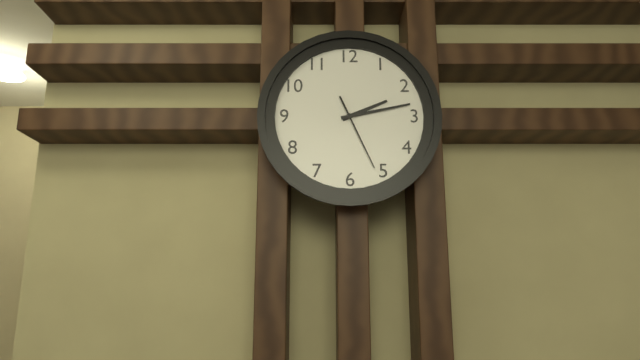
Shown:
**2:13:26**
